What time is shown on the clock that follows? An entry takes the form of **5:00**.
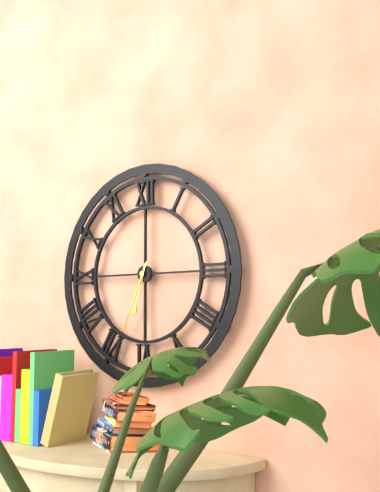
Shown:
**6:34**
